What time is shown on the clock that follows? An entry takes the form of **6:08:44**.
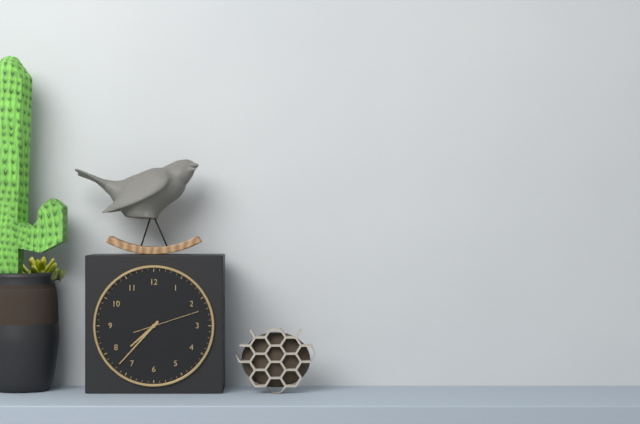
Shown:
**7:37:12**
